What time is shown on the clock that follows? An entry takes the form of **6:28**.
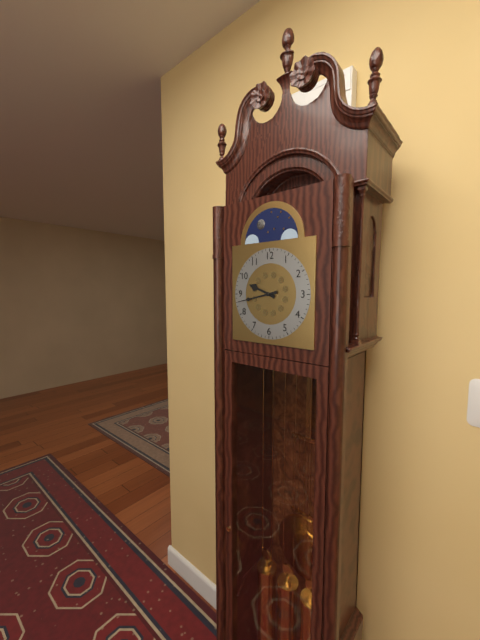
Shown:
**9:43**
